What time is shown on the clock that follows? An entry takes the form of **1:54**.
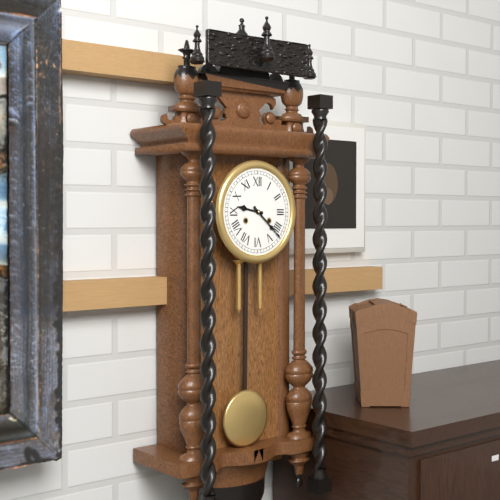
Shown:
**9:22**
